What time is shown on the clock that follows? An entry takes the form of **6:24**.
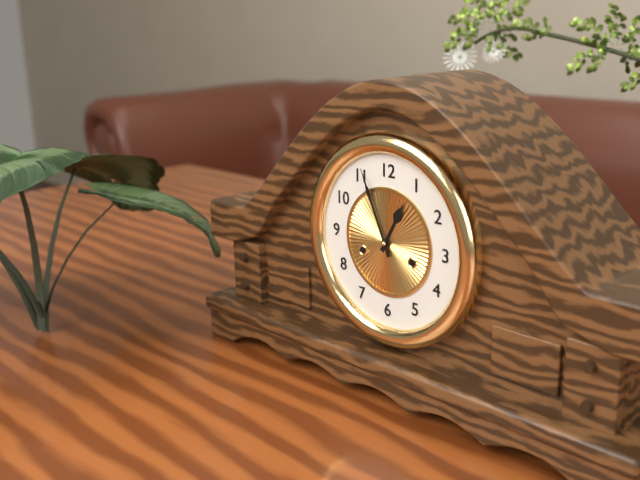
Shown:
**12:56**
